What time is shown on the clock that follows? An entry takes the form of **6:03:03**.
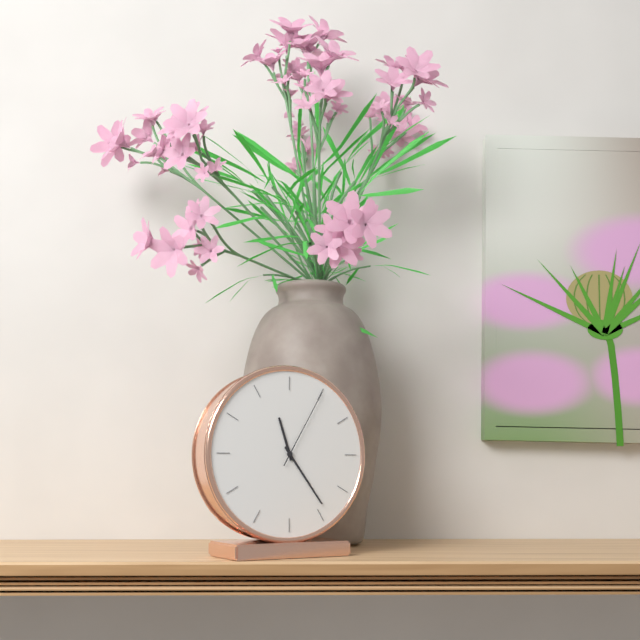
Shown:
**11:24:05**
